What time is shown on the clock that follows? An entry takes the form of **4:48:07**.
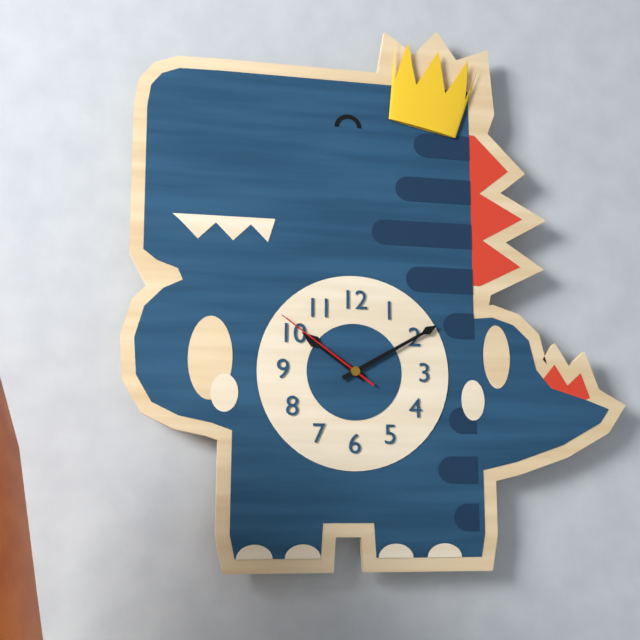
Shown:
**10:10:51**
